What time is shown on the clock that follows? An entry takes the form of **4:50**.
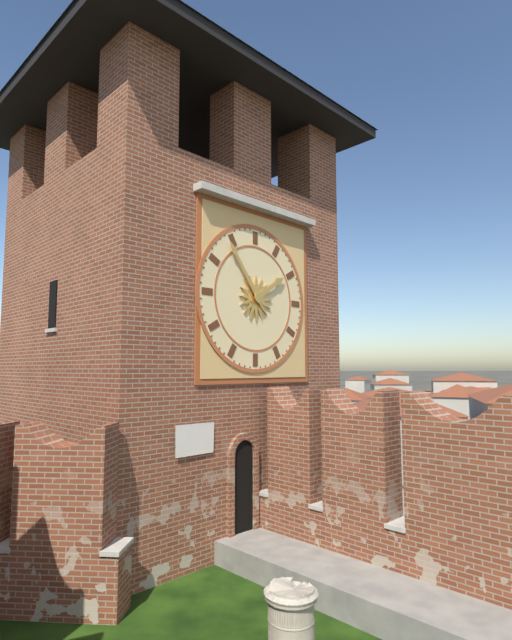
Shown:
**1:54**
